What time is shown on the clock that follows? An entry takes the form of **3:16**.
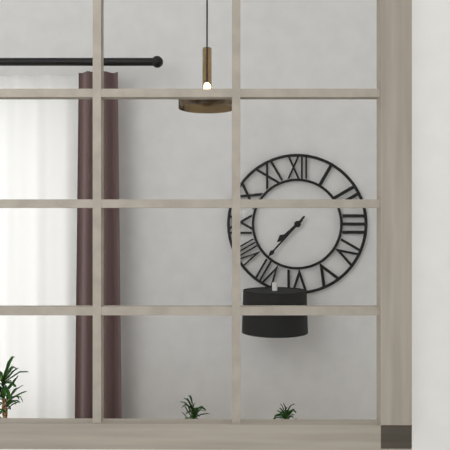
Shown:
**7:37**
